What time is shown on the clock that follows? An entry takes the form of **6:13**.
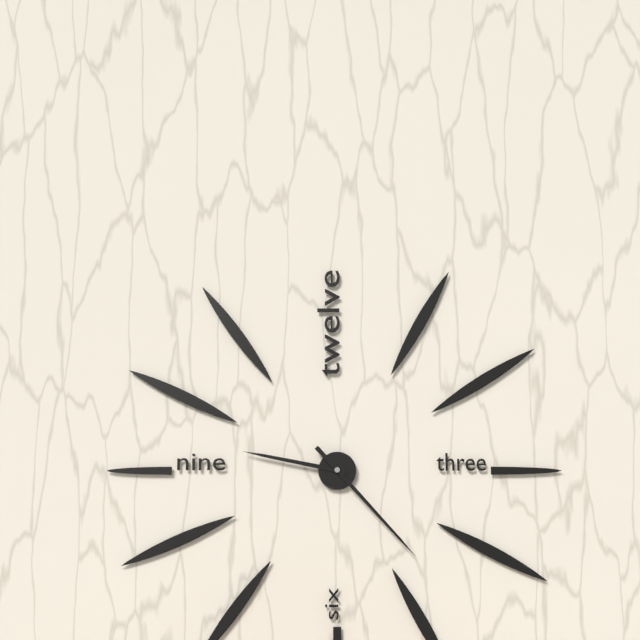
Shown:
**9:23**
